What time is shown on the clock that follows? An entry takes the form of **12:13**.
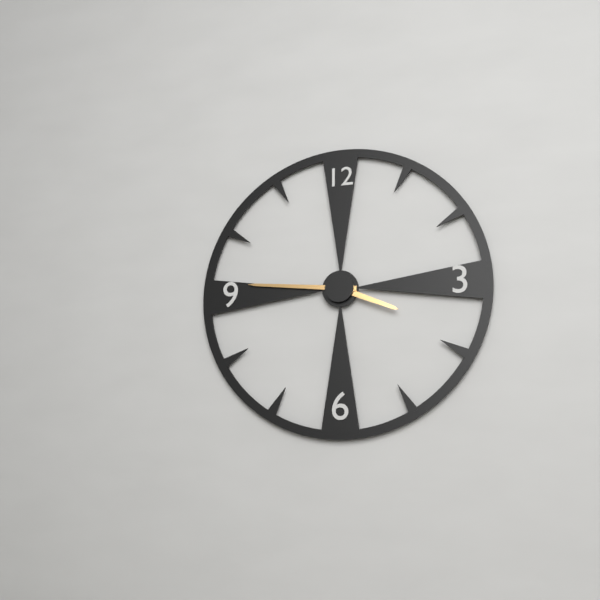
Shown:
**3:46**
